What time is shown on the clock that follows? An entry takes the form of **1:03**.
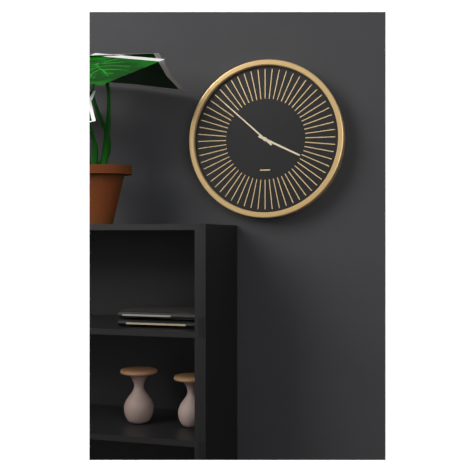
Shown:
**3:52**
